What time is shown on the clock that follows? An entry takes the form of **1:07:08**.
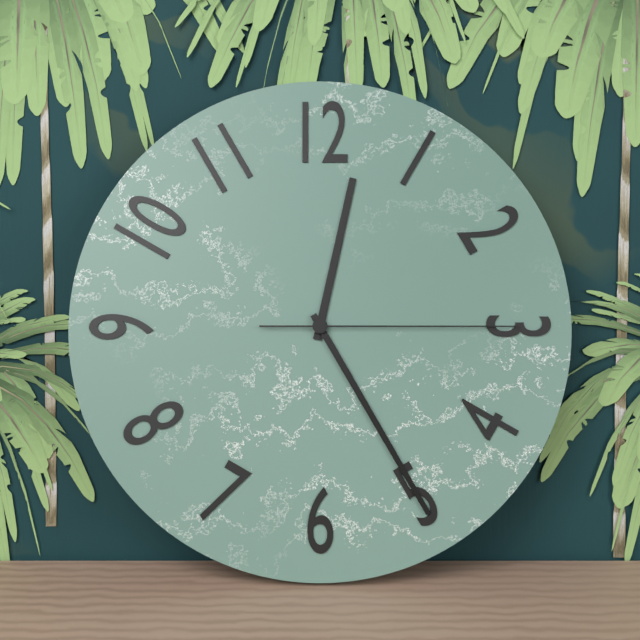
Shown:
**12:25:15**
